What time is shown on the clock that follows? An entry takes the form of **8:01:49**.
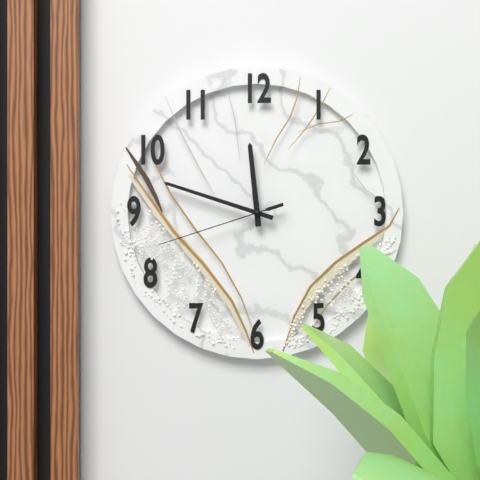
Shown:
**11:48:42**
